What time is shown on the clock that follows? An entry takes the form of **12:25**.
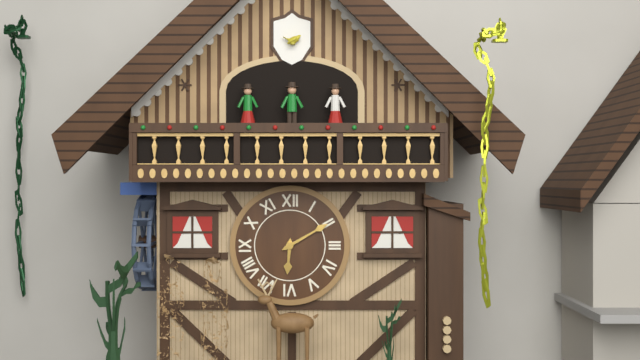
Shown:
**6:10**
